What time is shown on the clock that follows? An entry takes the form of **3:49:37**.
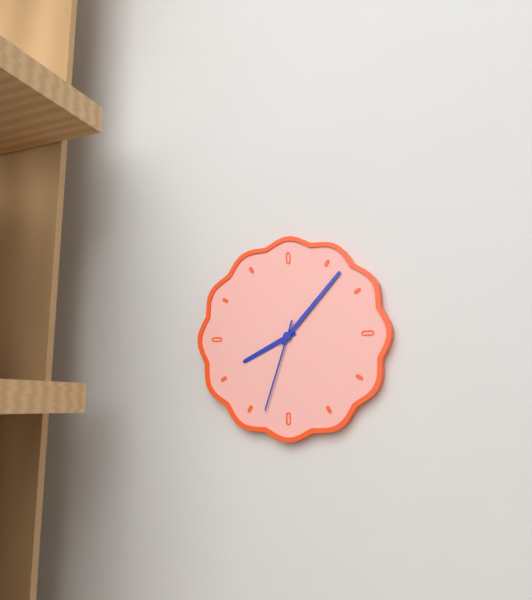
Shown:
**8:07:33**
